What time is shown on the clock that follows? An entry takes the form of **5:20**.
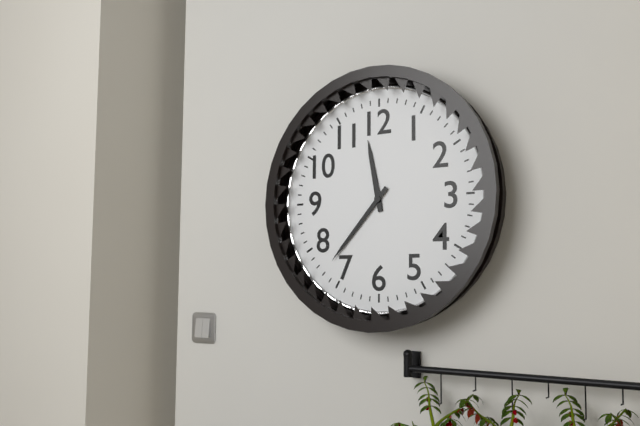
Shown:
**11:37**
